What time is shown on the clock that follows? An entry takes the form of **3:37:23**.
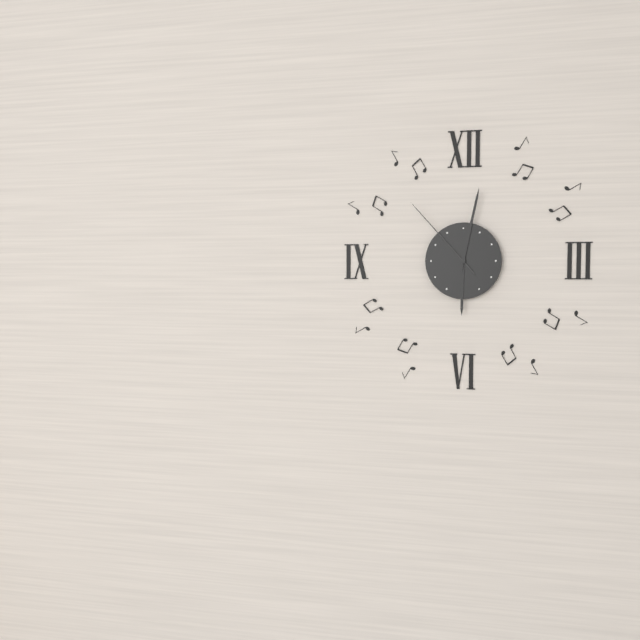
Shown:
**6:02:53**
